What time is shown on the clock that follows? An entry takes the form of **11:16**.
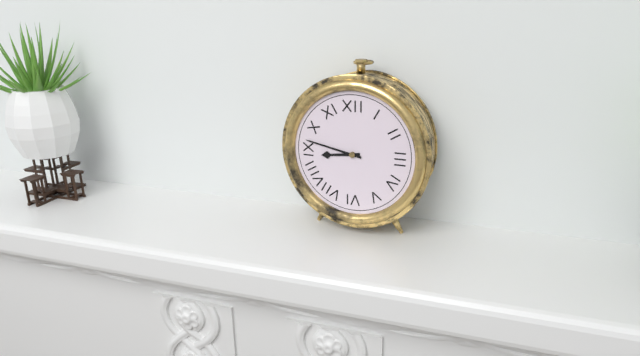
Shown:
**8:47**
